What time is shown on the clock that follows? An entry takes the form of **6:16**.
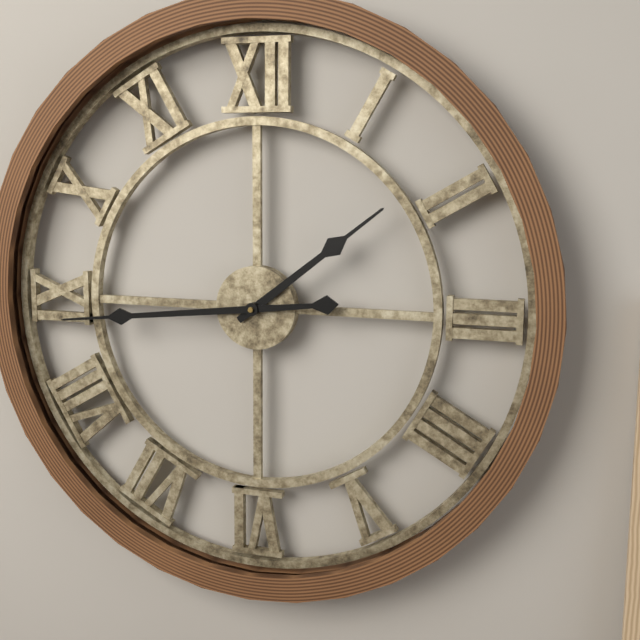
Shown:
**1:44**
